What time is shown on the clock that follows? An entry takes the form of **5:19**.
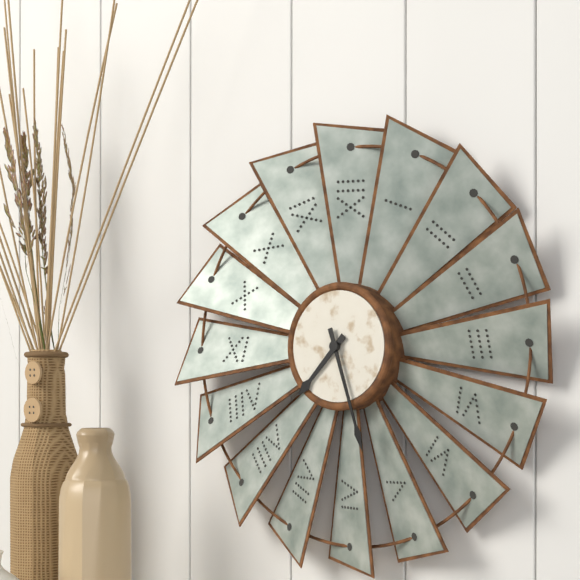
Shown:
**7:27**
